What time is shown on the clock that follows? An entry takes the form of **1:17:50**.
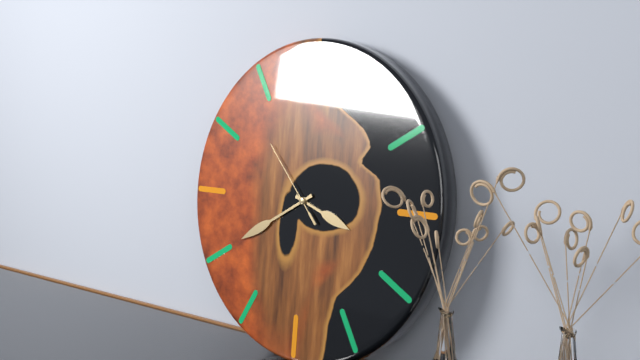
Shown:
**3:40:53**
